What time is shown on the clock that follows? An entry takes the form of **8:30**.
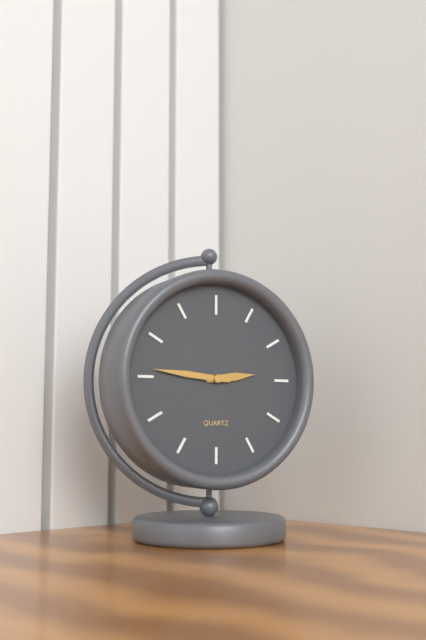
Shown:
**2:46**
